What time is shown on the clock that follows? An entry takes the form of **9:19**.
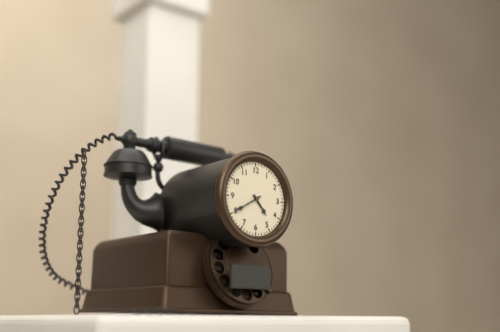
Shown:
**4:40**
